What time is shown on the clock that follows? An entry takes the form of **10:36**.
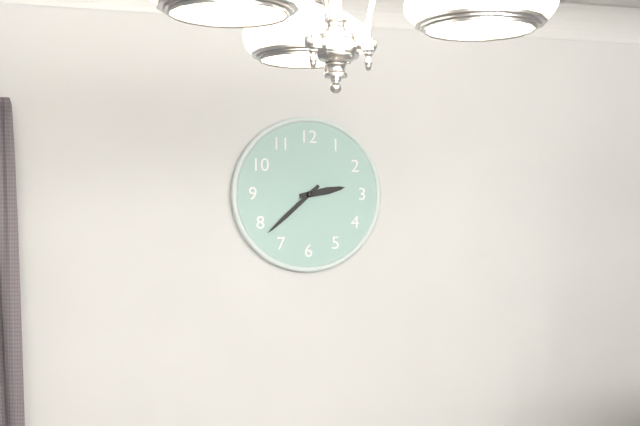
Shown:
**2:38**
